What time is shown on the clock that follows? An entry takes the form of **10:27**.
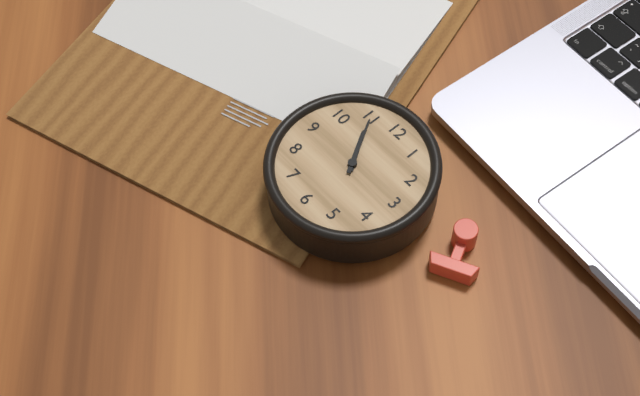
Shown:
**10:55**
